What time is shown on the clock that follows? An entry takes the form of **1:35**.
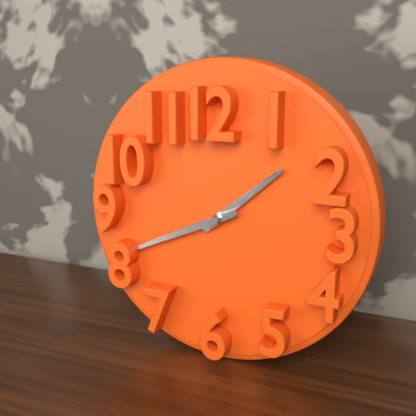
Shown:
**1:41**
